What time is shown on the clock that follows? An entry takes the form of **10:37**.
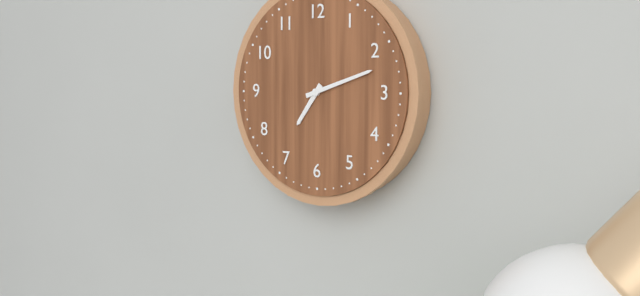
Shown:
**7:12**
